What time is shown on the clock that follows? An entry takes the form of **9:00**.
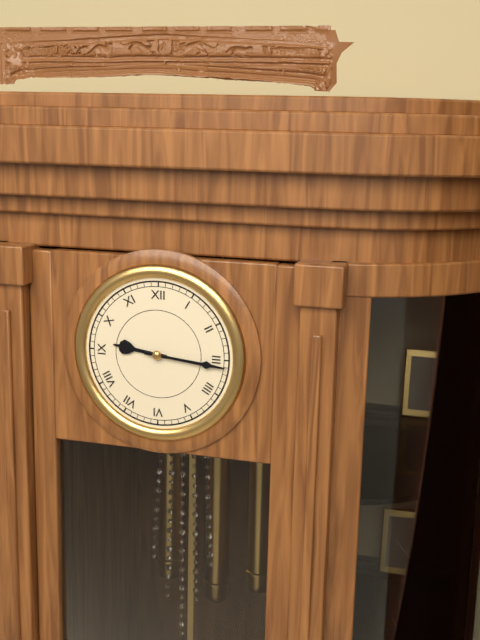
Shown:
**9:16**
